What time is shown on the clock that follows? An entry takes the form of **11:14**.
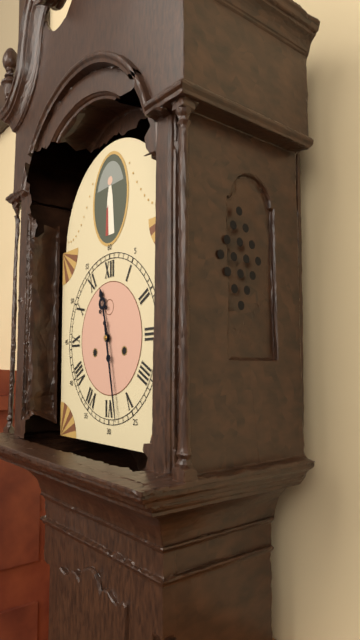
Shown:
**11:28**
